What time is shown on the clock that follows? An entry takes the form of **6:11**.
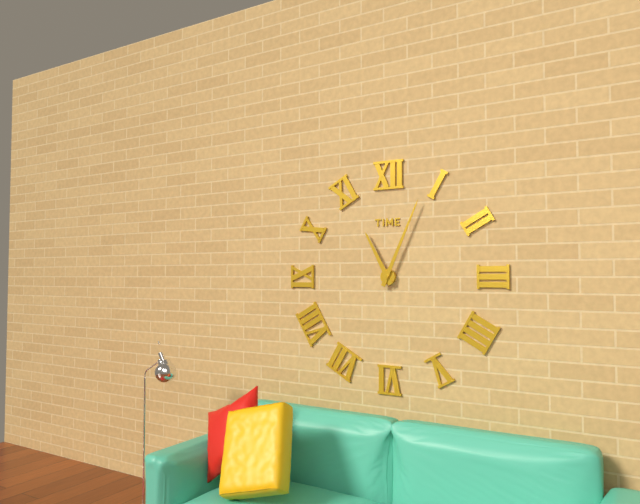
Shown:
**11:04**
